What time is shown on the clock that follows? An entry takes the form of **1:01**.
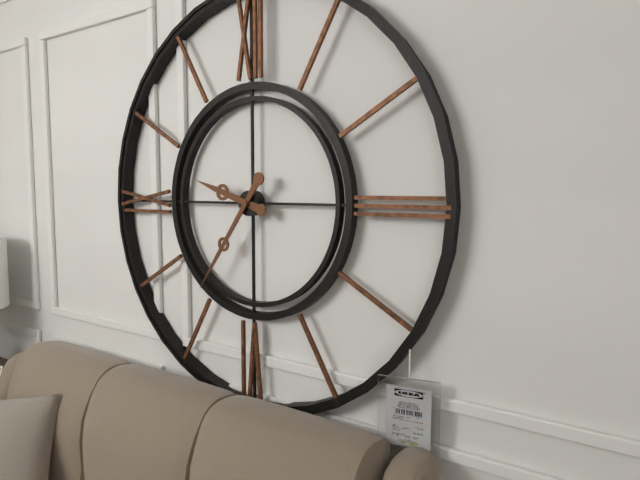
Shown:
**9:36**
